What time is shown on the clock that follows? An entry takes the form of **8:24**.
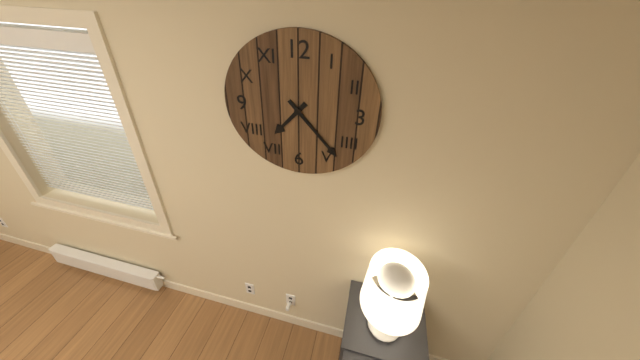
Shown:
**7:23**
